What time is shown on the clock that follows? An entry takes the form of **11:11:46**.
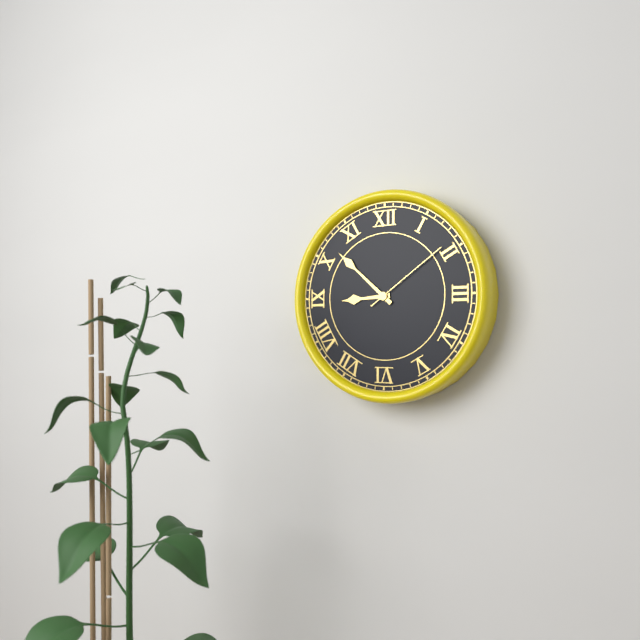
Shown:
**8:52:09**
